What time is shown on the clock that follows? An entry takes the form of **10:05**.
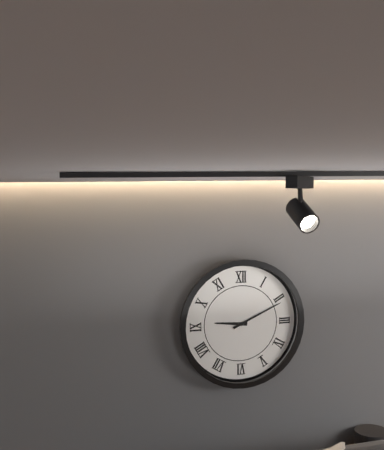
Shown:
**9:11**
